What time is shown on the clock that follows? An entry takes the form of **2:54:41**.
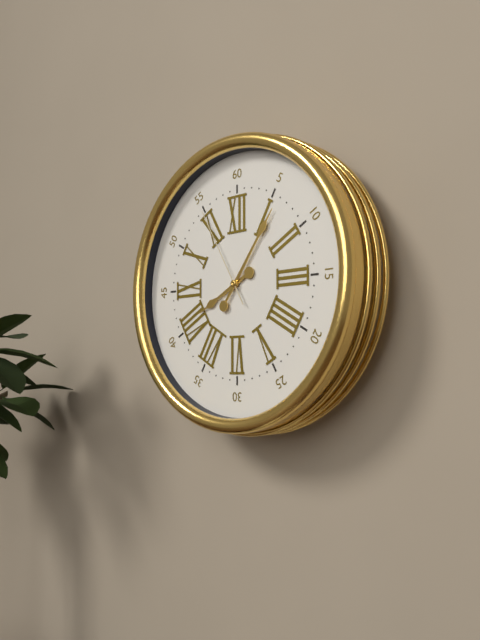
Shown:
**8:06:55**
